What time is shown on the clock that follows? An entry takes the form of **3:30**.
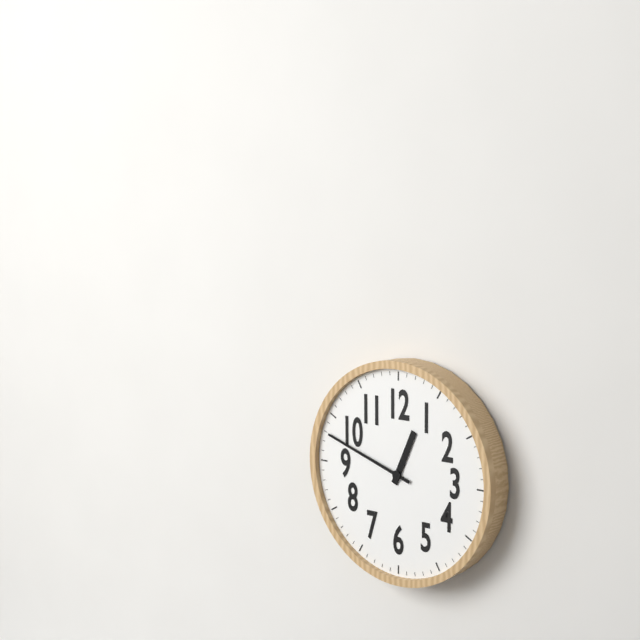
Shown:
**12:48**
